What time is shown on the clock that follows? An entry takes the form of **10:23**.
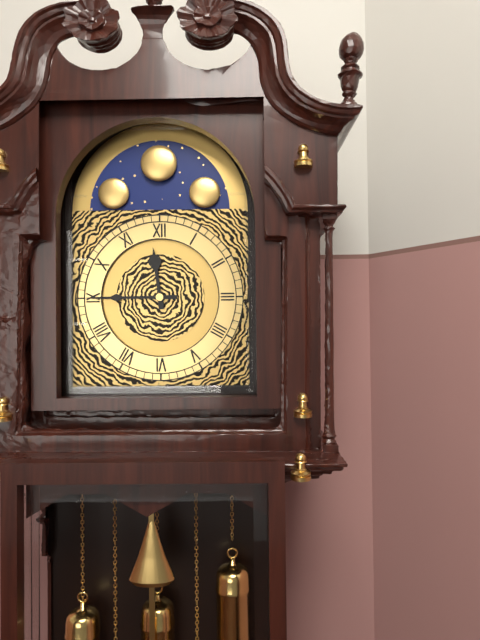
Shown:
**11:45**
